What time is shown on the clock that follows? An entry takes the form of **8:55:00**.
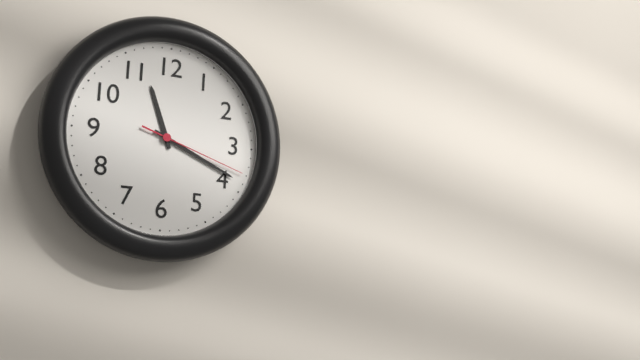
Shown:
**11:19:18**
